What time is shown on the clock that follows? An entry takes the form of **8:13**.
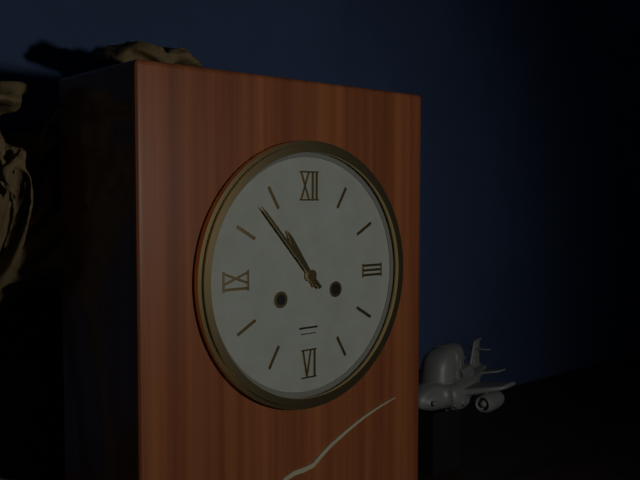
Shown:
**10:53**
